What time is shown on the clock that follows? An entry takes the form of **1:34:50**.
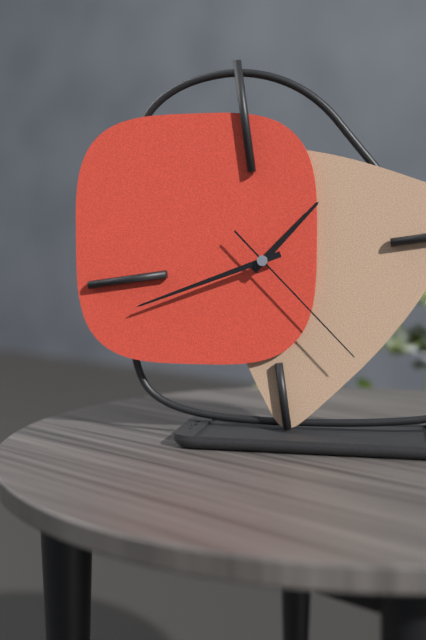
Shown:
**1:43:24**
